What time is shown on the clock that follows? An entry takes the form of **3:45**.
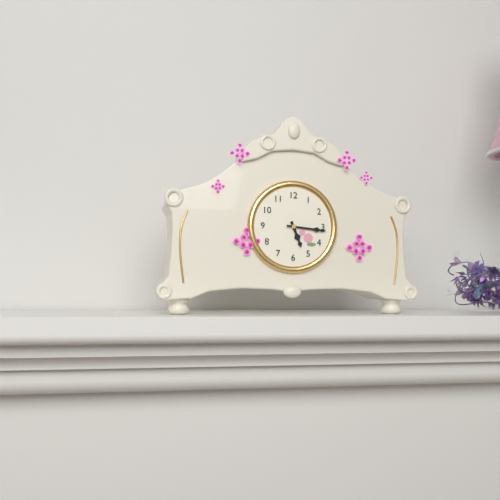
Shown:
**5:16**
